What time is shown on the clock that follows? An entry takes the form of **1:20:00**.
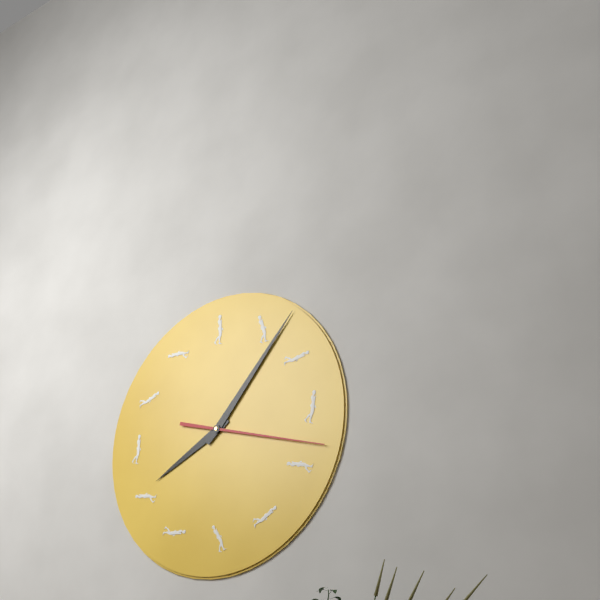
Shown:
**8:07:18**
